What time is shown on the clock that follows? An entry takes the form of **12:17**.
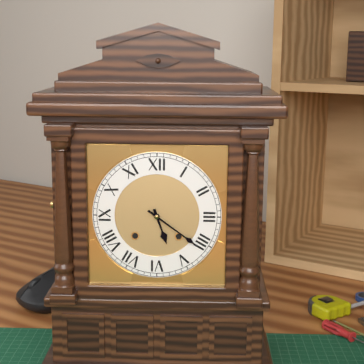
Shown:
**5:21**
